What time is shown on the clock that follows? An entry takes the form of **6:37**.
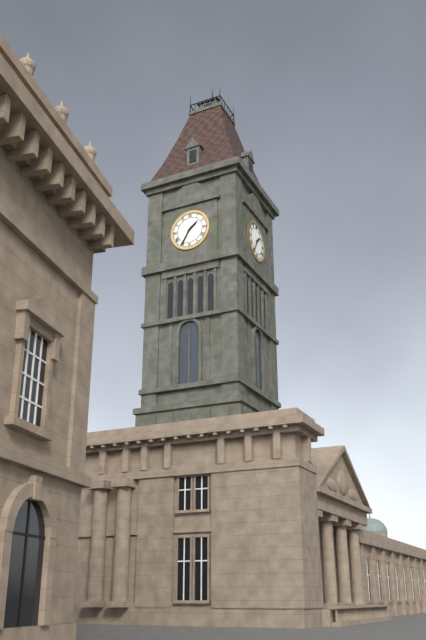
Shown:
**1:35**
